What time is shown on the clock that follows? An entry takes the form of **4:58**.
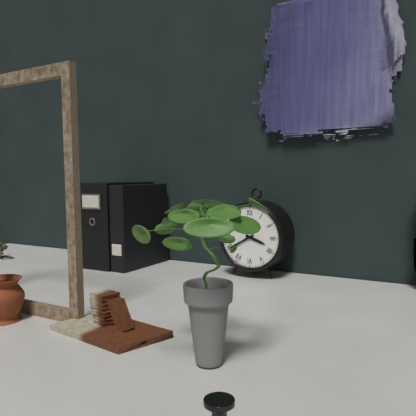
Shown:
**3:40**
